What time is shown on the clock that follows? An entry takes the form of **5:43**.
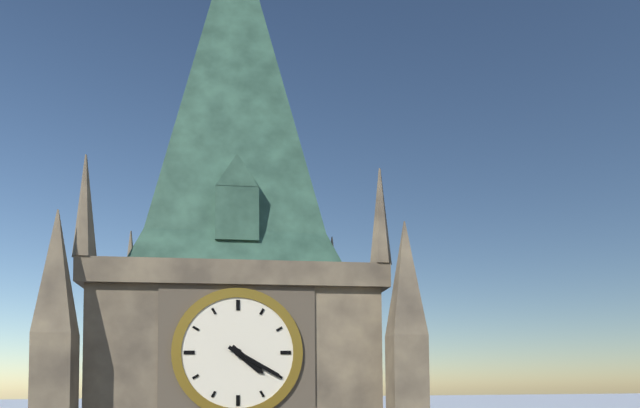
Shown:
**4:20**
